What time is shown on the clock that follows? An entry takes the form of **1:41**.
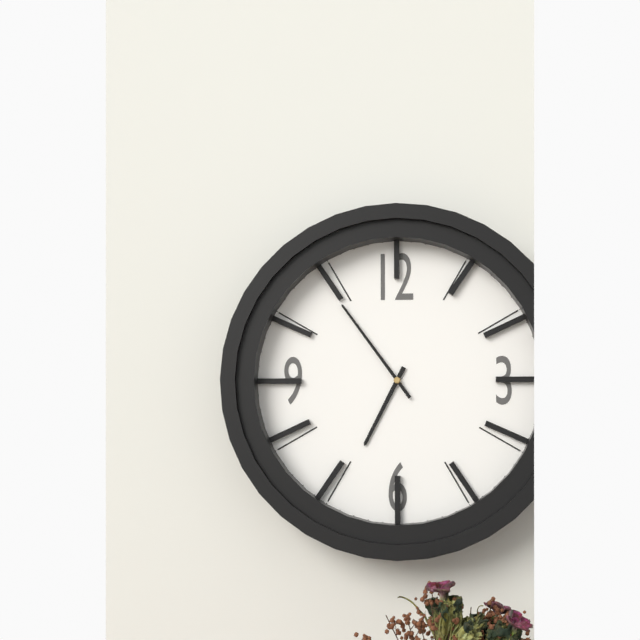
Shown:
**6:54**
